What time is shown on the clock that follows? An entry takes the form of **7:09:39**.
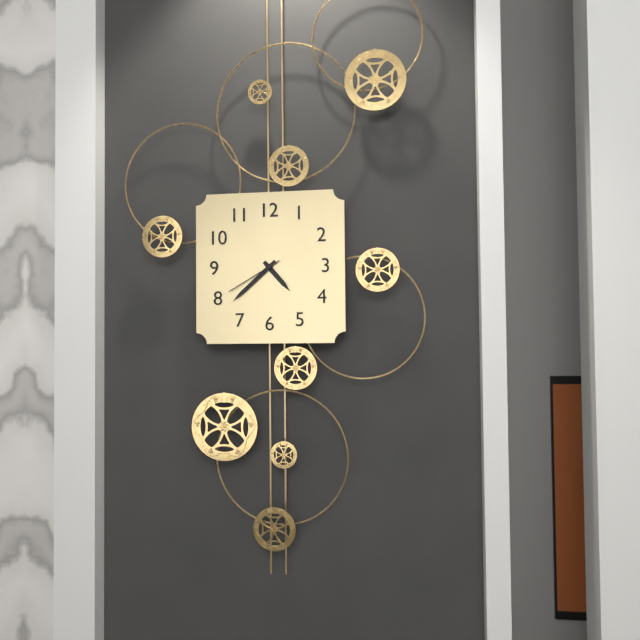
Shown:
**4:38:40**
